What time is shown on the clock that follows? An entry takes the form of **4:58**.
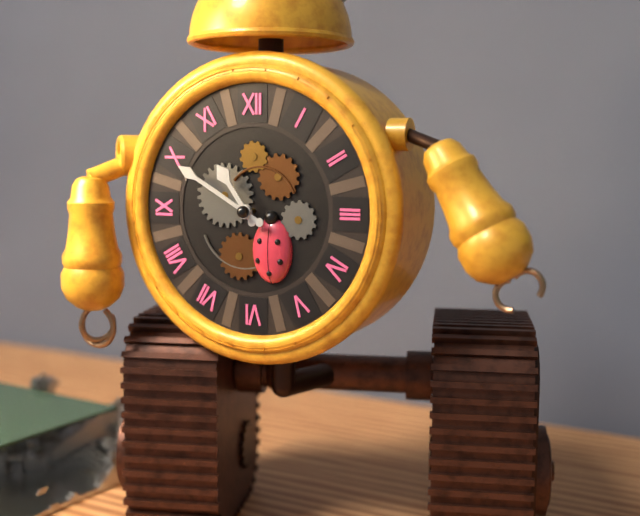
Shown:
**10:50**
